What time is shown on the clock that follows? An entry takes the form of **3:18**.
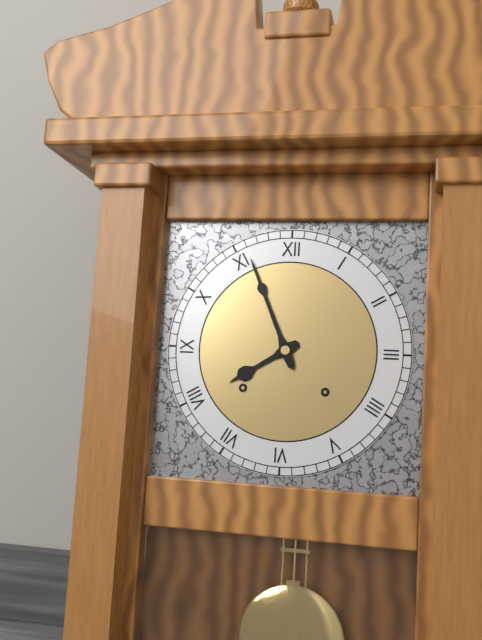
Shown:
**7:56**
